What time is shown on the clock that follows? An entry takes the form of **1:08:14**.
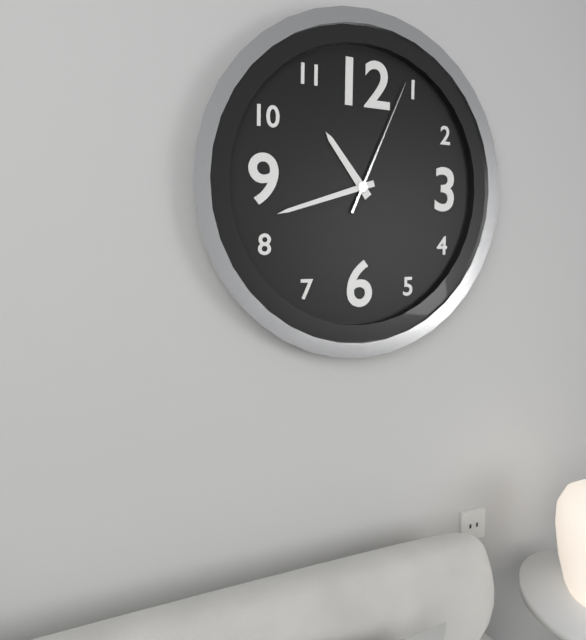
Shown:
**10:42:04**
